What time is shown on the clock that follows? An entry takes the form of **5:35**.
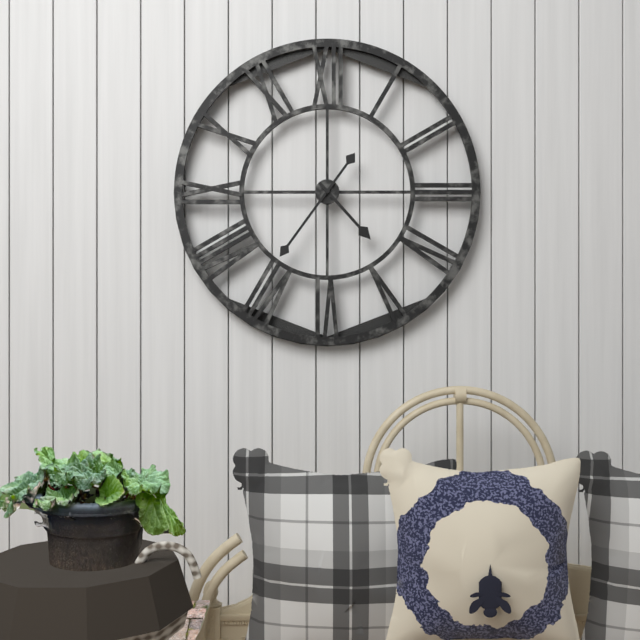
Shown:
**4:36**
